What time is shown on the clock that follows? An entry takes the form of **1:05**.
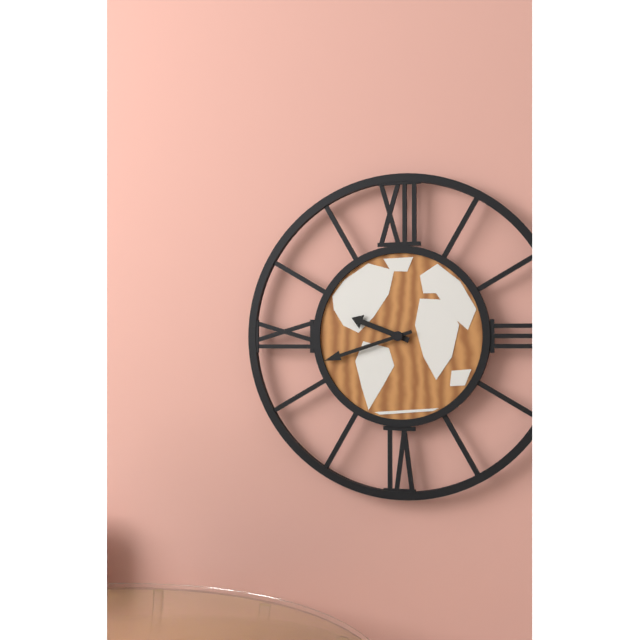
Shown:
**9:42**
